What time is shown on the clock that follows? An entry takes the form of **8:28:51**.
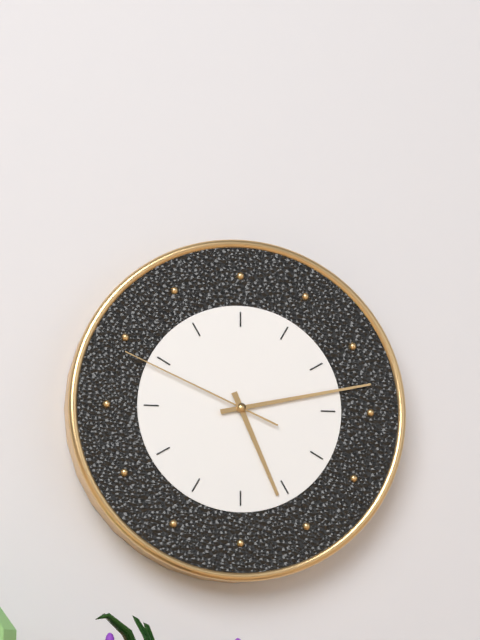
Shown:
**5:13:49**
